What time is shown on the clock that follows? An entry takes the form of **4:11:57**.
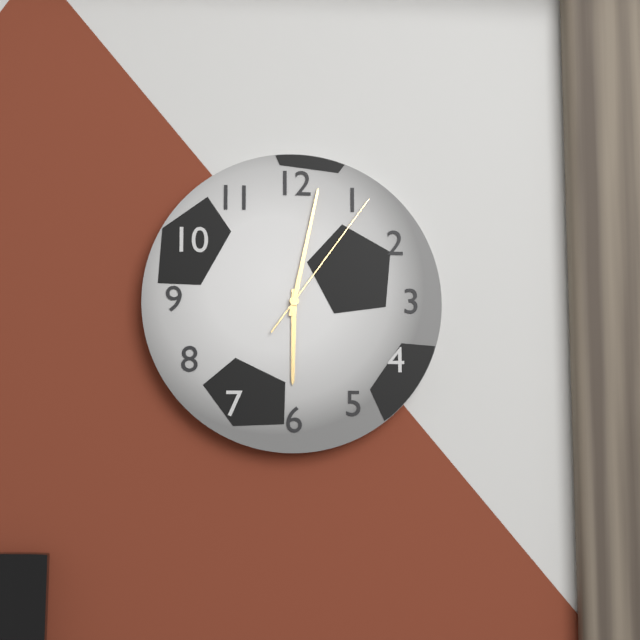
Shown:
**6:02:06**
